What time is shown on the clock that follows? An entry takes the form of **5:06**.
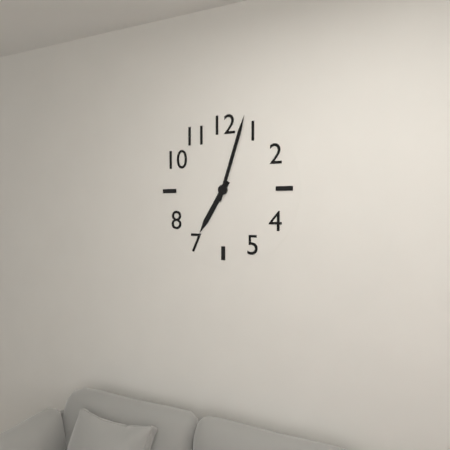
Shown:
**7:03**
